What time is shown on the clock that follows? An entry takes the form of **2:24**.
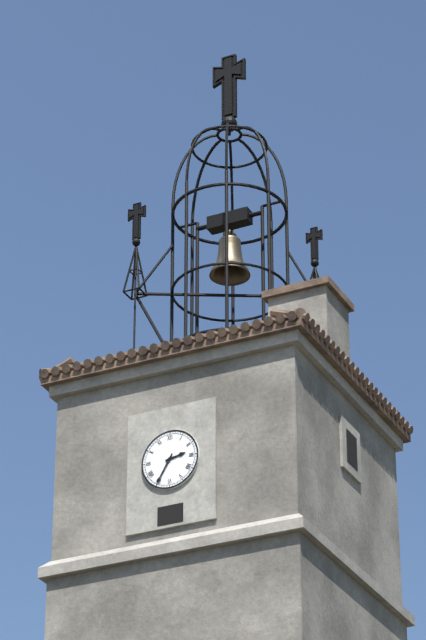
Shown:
**2:35**
